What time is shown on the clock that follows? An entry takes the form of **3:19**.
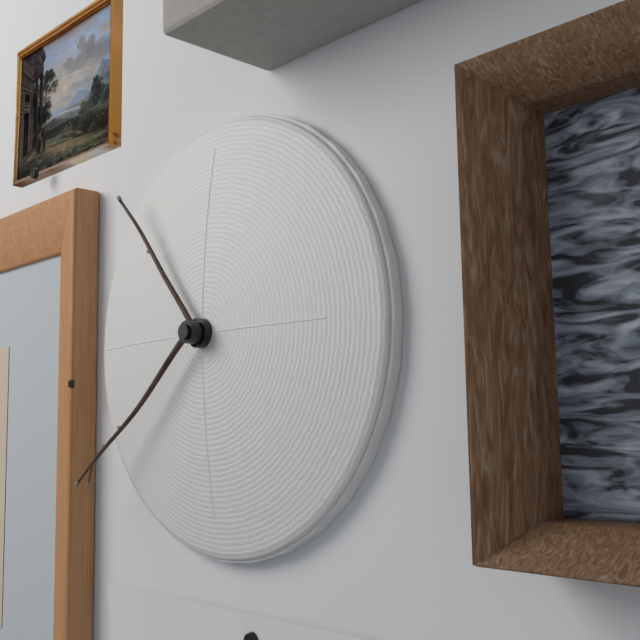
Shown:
**10:39**
